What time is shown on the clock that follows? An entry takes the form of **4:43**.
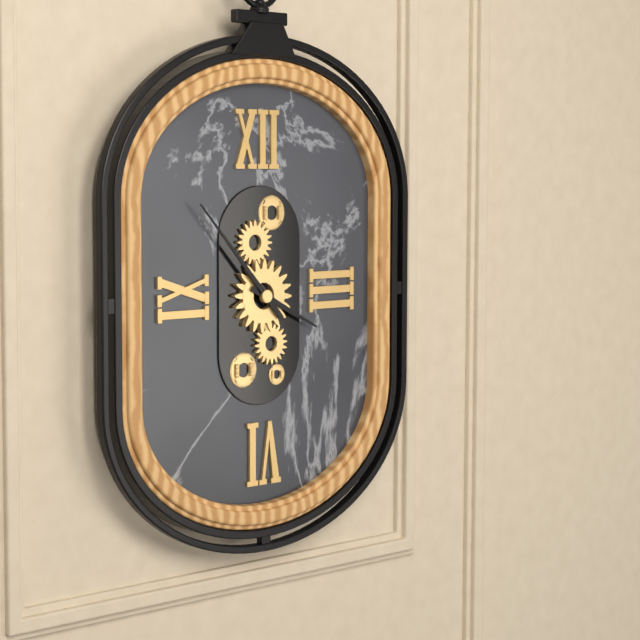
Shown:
**3:53**
